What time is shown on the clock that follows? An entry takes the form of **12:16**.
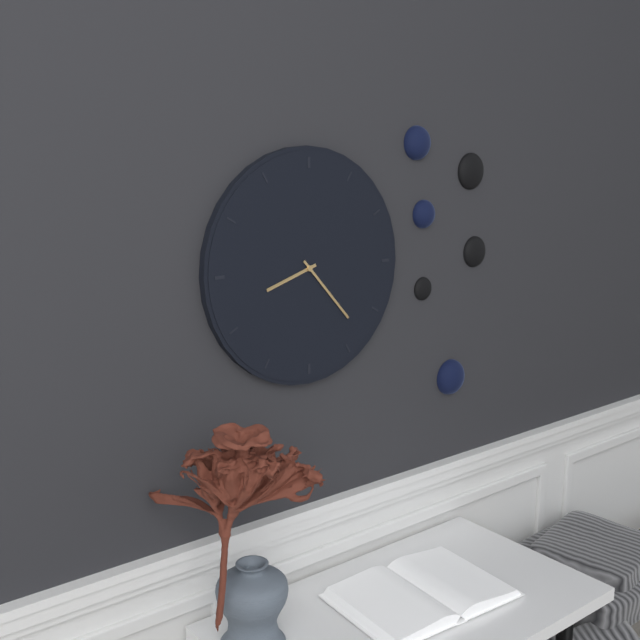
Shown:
**8:23**
